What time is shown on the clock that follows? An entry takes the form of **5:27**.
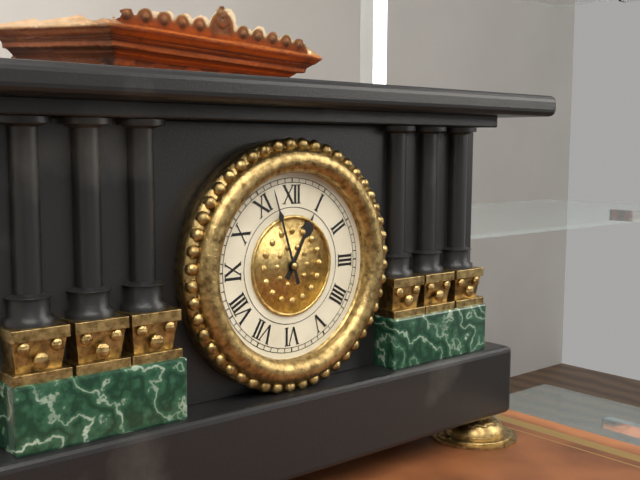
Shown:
**12:57**
